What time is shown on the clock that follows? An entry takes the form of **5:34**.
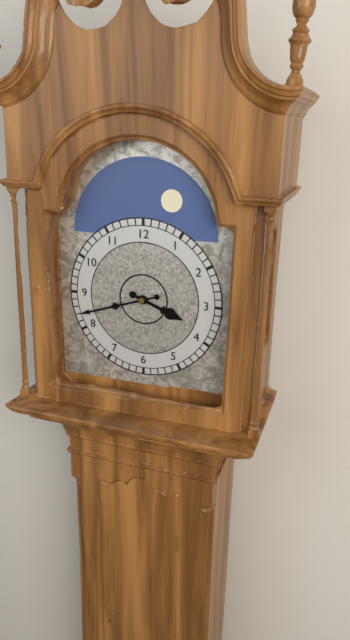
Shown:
**3:42**
